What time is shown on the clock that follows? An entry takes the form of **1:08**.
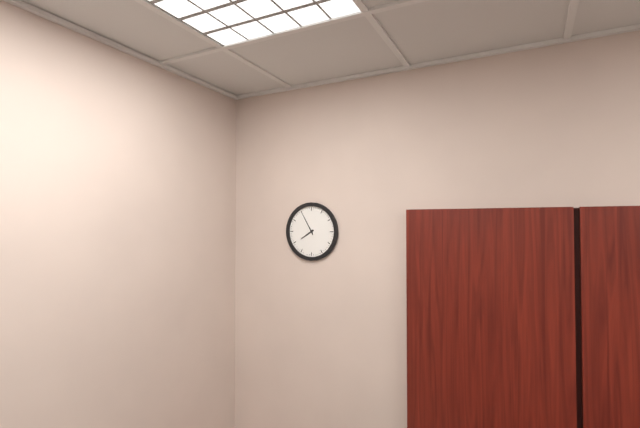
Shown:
**7:55**
